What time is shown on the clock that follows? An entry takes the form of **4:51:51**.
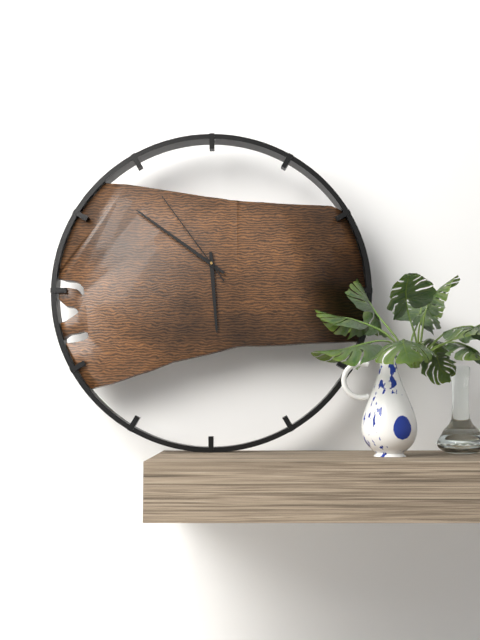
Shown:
**5:51:54**
